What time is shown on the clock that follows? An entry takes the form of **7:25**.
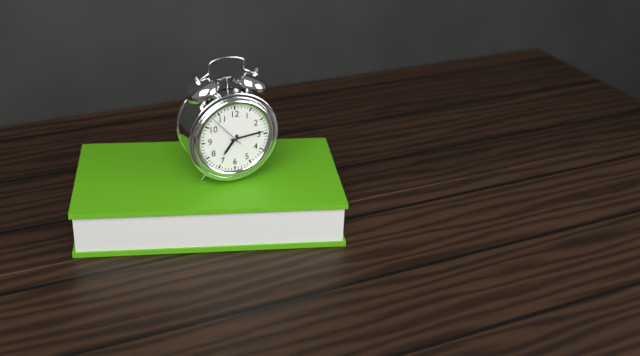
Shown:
**7:14**
